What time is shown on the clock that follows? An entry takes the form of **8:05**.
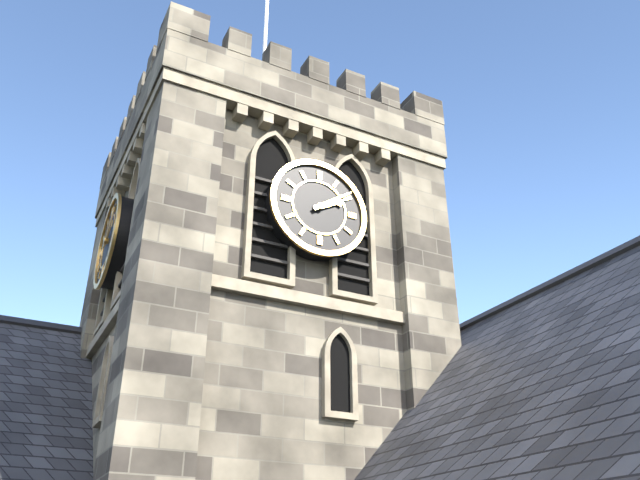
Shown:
**2:09**
